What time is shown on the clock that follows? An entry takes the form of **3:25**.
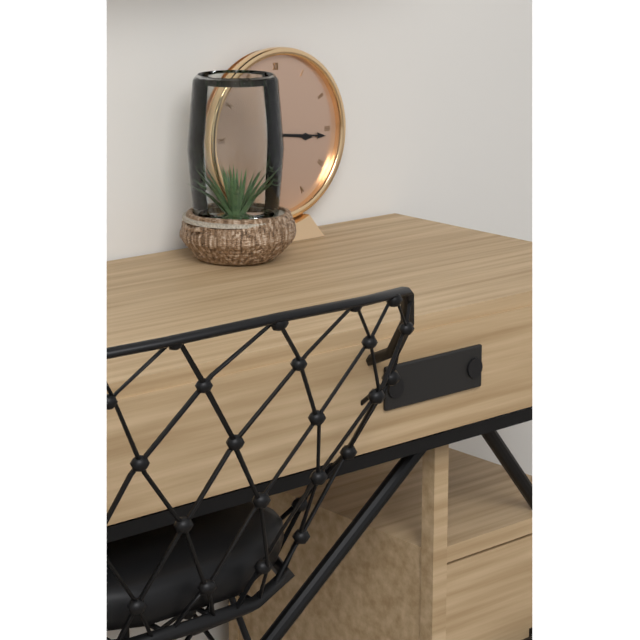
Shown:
**3:16**
